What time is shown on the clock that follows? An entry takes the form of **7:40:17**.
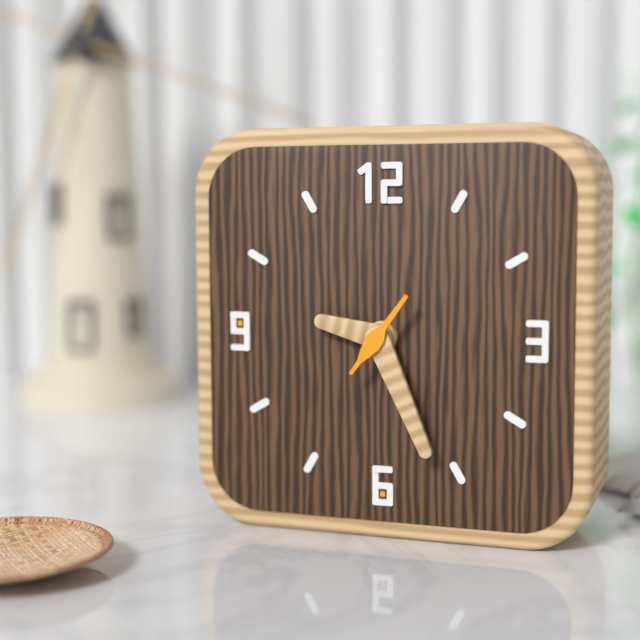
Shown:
**9:26:06**
